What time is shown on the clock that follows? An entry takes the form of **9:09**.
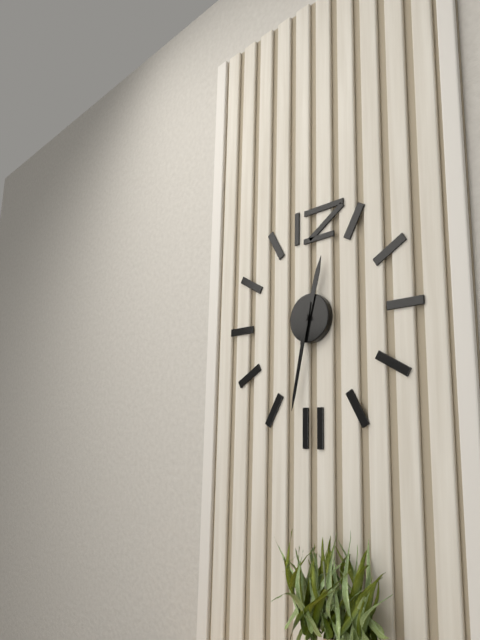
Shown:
**12:32**
